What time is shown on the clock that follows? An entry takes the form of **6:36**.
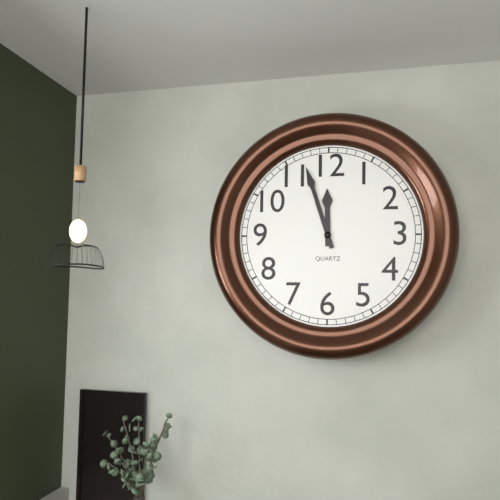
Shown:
**11:57**
